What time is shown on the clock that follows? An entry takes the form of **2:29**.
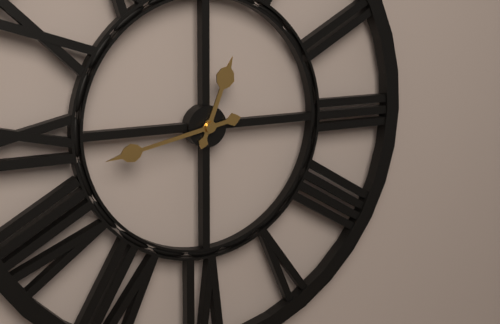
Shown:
**12:43**
